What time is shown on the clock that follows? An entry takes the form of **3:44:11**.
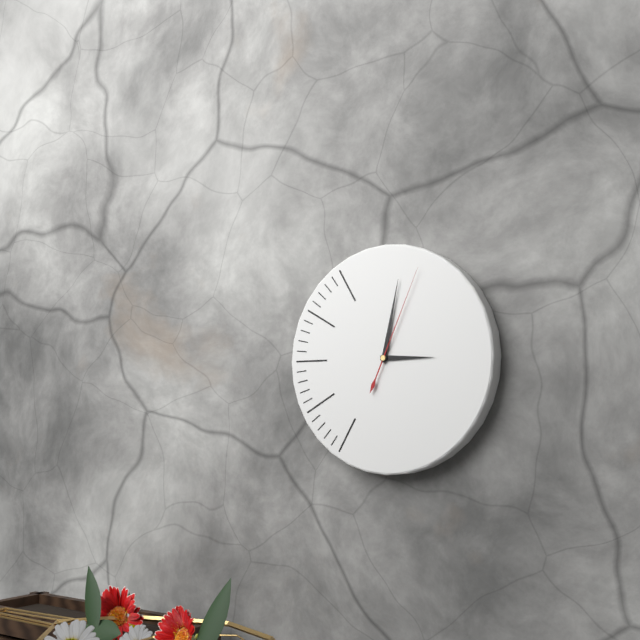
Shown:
**3:02:04**
